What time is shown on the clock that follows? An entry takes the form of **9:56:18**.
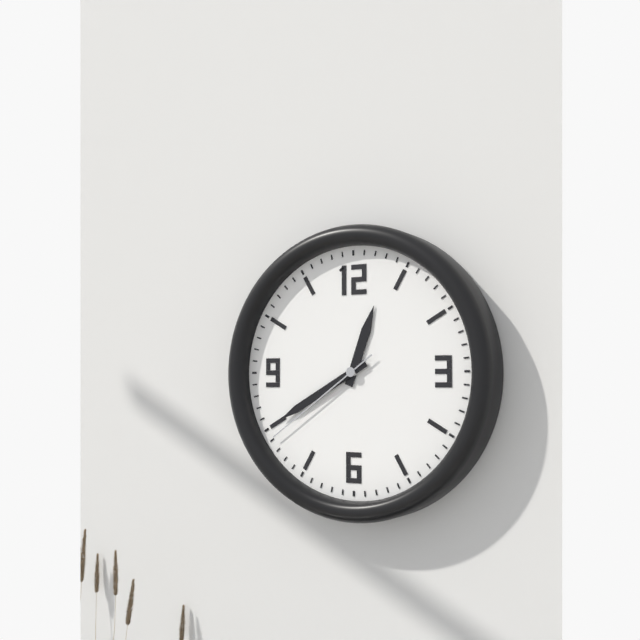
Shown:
**12:40:39**
